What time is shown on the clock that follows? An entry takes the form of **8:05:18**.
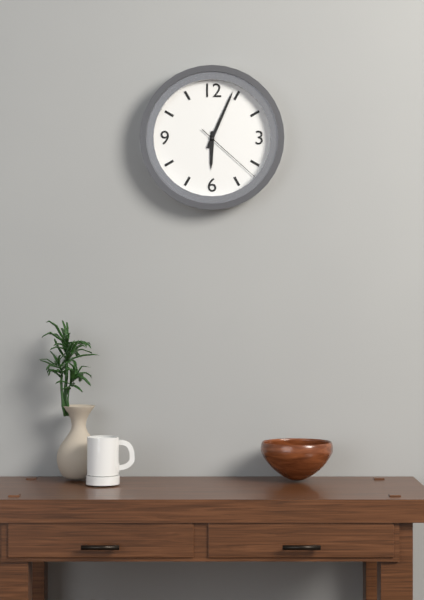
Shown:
**6:04:22**
